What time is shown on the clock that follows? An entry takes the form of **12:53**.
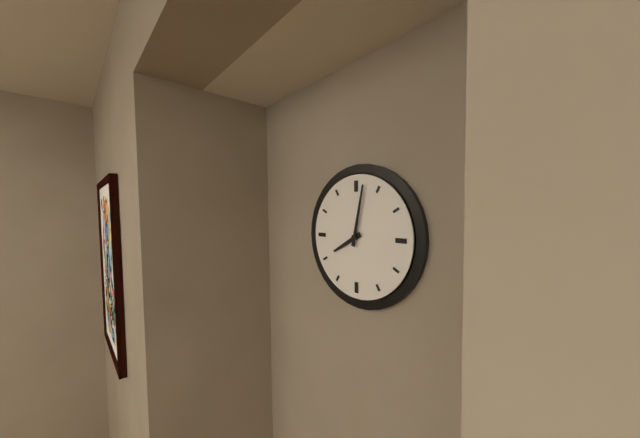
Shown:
**8:02**
